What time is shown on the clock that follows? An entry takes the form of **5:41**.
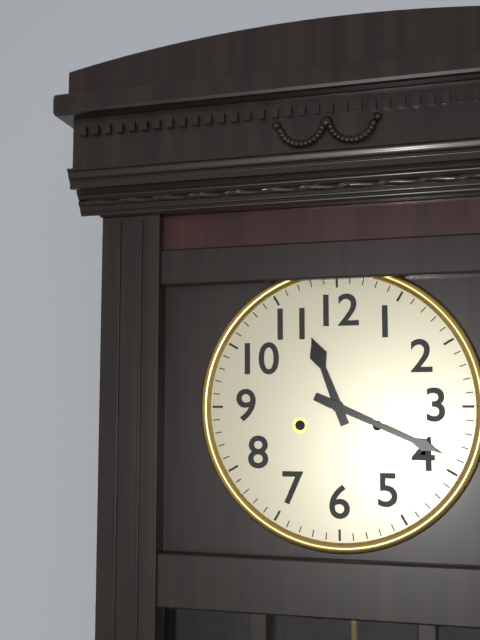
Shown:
**11:19**
